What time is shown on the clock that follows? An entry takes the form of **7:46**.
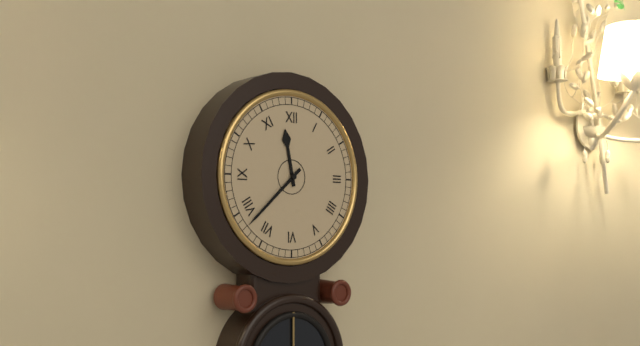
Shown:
**11:38**
